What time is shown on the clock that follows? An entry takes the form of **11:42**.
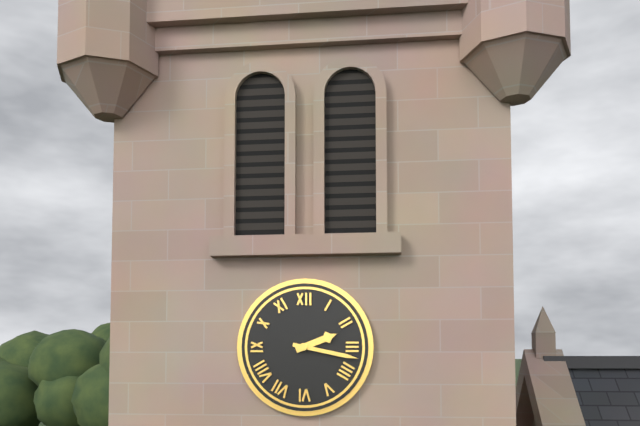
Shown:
**2:17**
